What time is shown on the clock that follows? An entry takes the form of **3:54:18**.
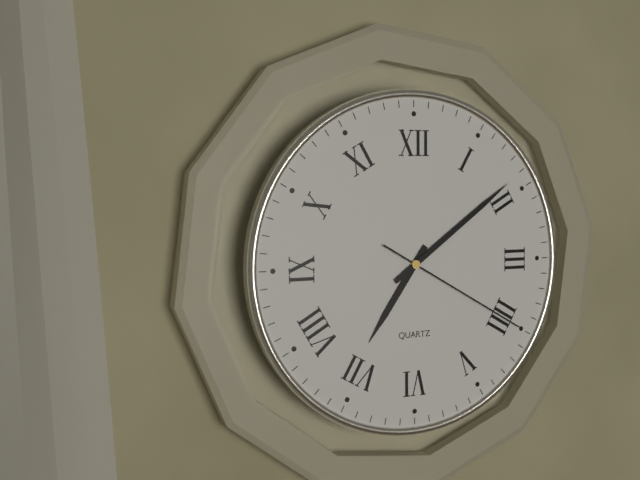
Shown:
**7:09:20**
